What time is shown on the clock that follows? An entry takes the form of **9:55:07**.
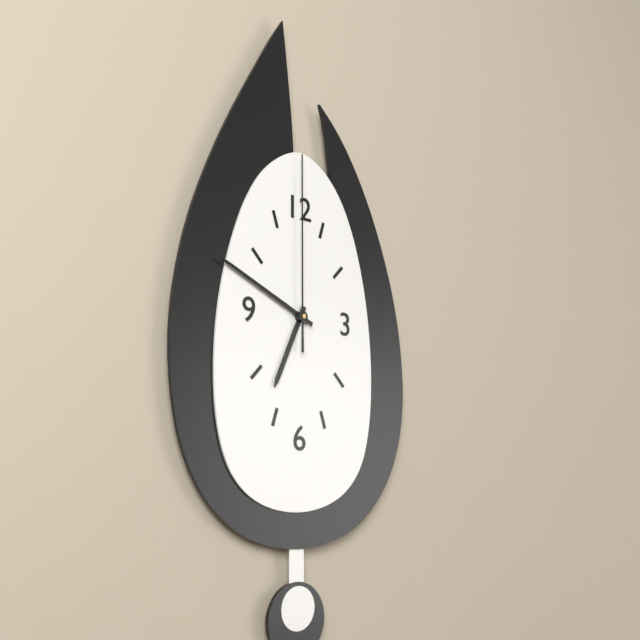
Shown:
**6:49:00**
